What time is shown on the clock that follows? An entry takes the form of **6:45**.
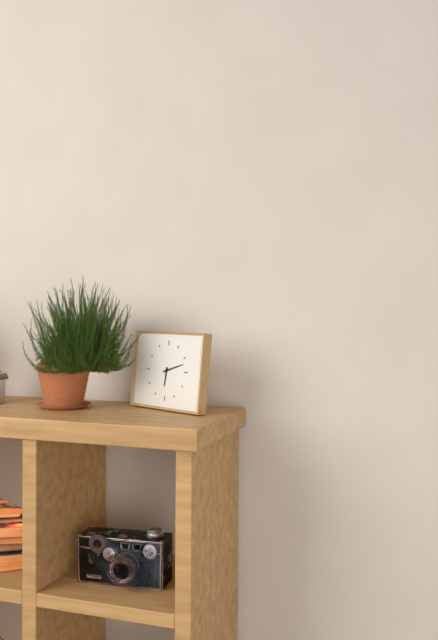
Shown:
**6:12**
